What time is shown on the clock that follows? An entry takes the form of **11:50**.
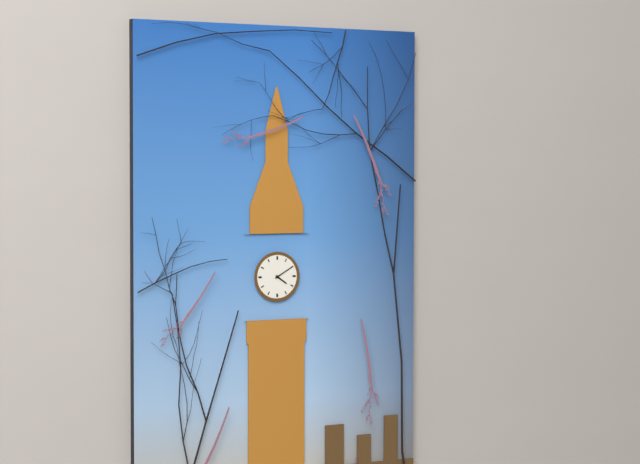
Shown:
**4:10**
